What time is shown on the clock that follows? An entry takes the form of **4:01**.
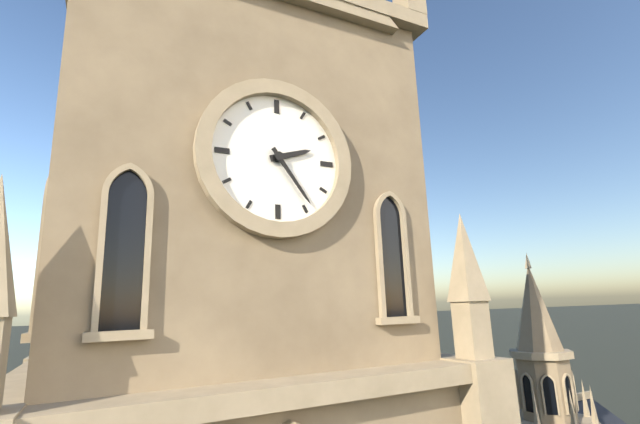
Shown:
**2:24**
